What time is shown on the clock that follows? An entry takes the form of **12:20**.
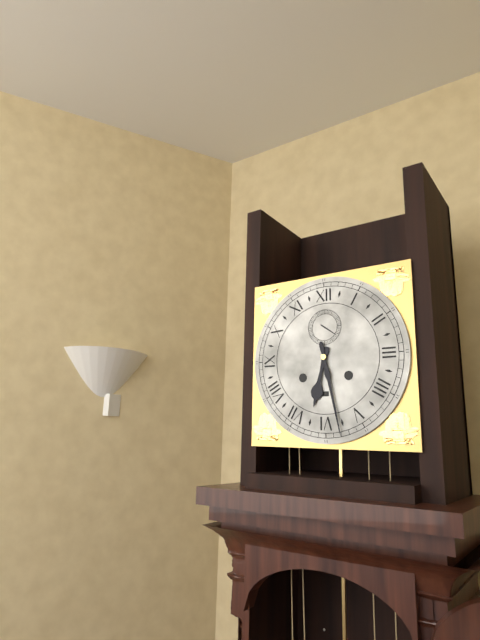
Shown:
**6:28**
